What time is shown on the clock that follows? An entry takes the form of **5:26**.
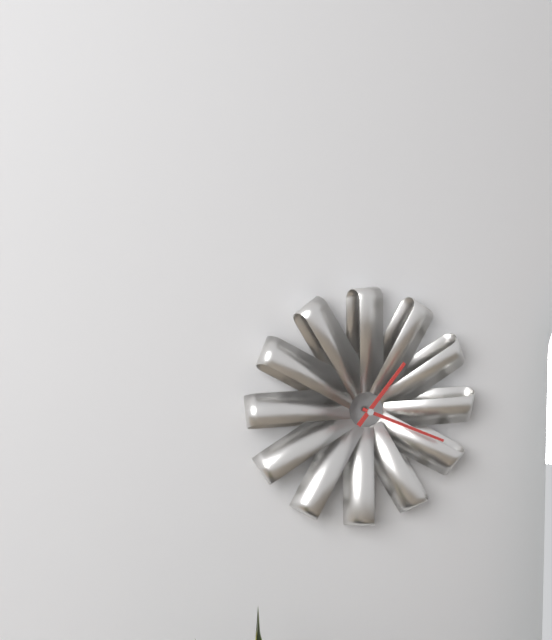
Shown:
**1:19**
